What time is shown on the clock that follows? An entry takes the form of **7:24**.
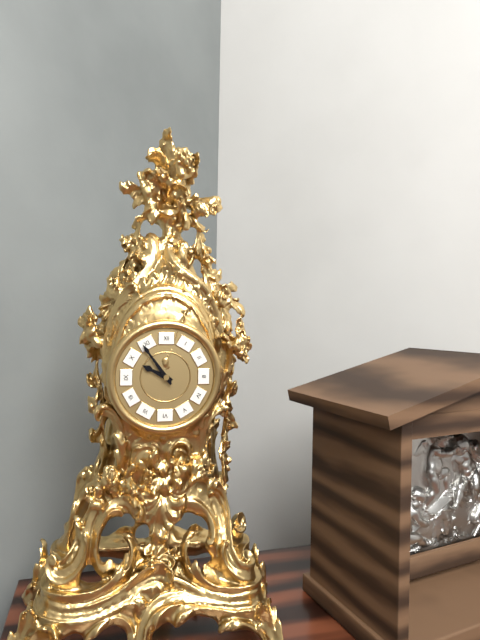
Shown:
**9:54**
